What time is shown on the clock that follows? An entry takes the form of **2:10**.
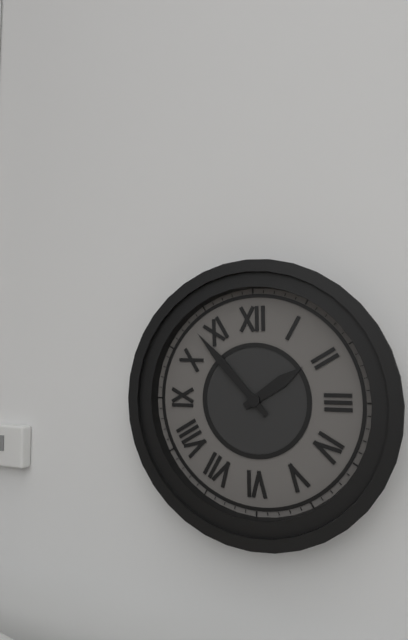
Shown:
**1:53**
